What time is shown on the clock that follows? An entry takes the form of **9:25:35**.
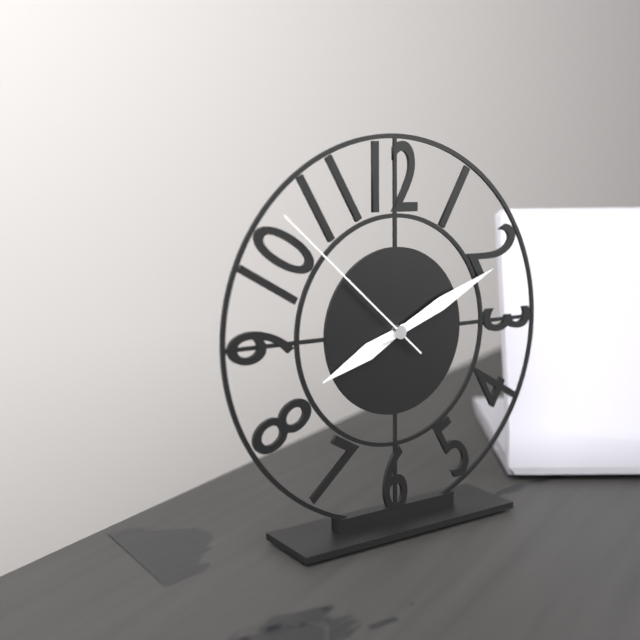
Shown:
**8:11:52**
